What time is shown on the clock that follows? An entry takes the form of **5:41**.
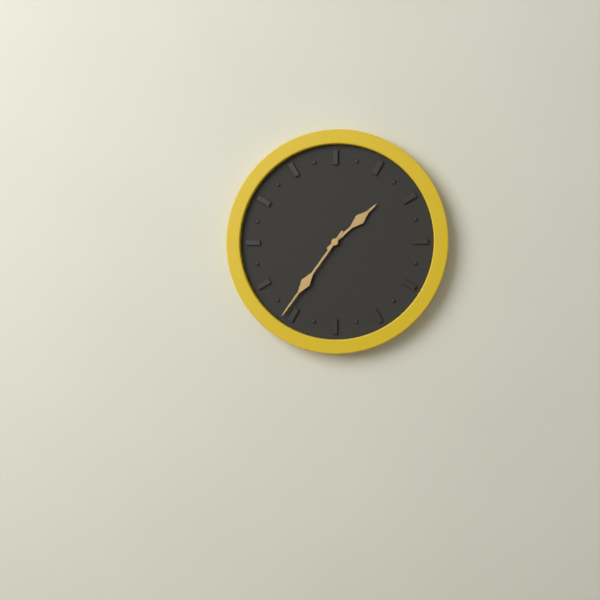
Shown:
**1:36**
